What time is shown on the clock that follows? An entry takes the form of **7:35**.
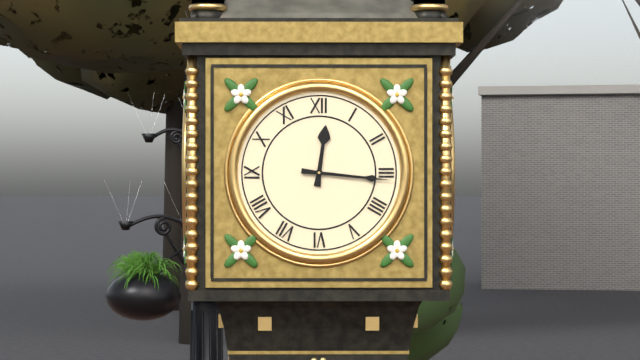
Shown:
**12:16**
